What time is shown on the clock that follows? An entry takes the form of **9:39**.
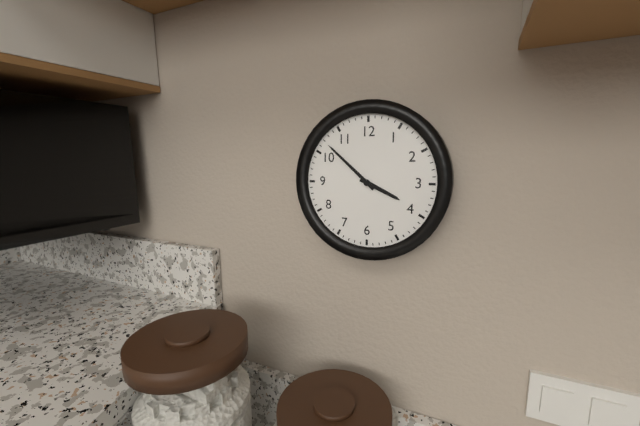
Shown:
**3:52**
